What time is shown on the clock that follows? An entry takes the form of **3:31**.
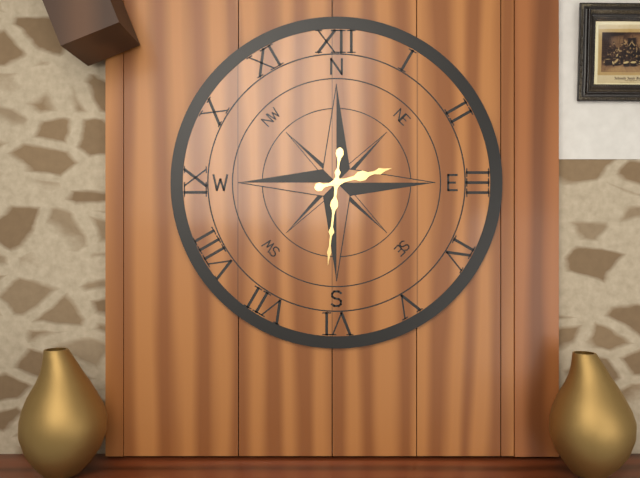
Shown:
**2:31**
